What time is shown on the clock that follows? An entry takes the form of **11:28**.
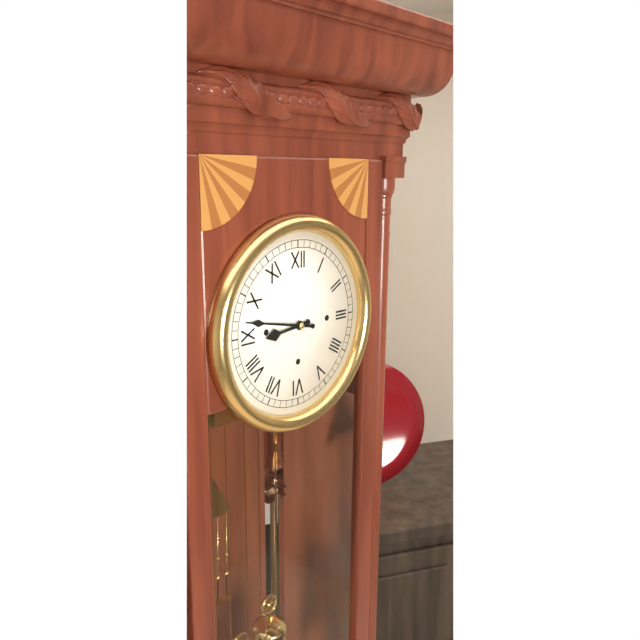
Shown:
**8:47**
